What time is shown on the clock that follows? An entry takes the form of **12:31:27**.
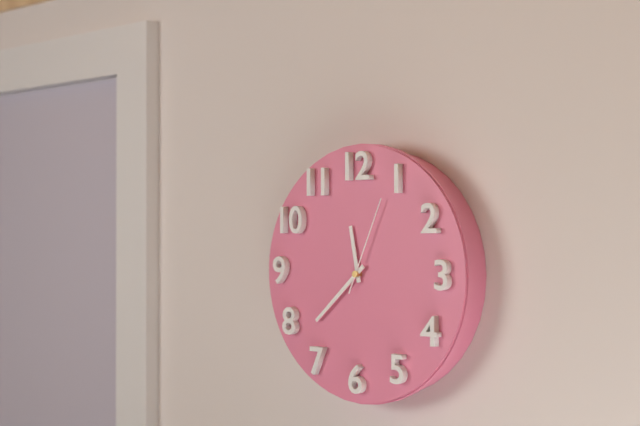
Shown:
**11:38:04**
